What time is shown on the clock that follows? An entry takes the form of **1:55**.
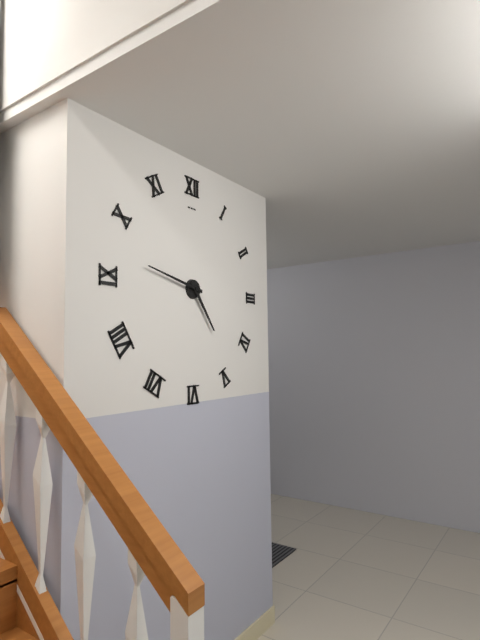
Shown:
**4:47**
